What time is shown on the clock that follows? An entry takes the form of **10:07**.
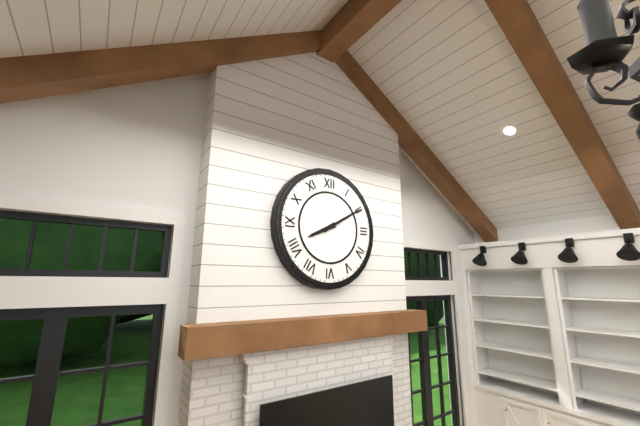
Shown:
**8:10**
